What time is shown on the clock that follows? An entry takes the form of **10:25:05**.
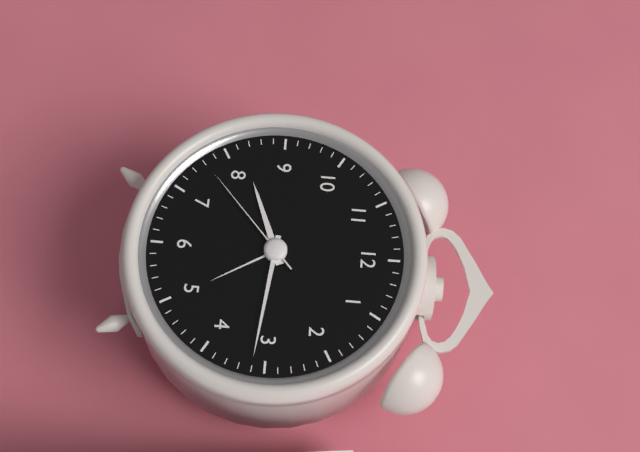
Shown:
**8:16:38**
